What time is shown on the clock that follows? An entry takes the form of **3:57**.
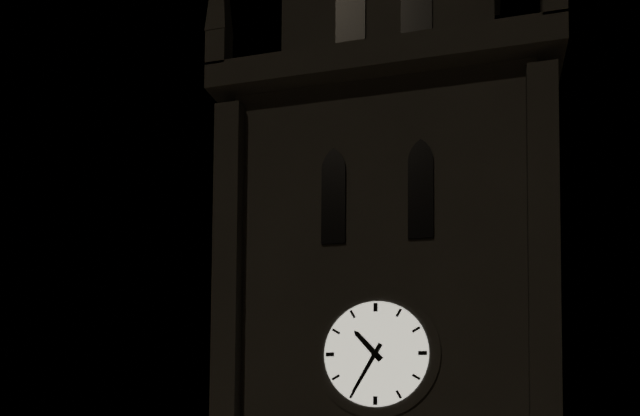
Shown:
**10:35**
